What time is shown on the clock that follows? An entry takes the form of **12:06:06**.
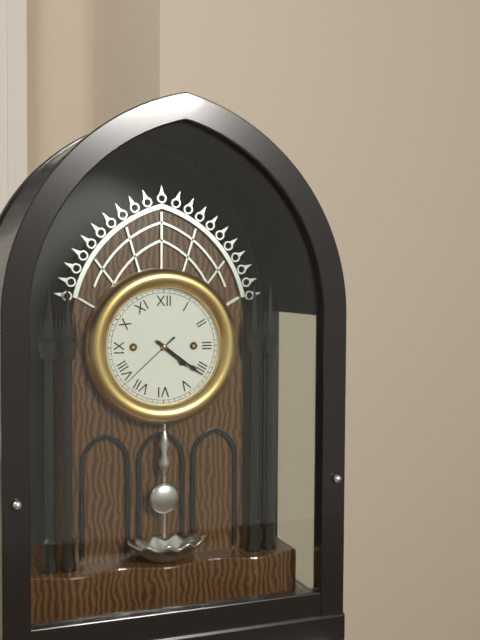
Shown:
**4:21:38**
